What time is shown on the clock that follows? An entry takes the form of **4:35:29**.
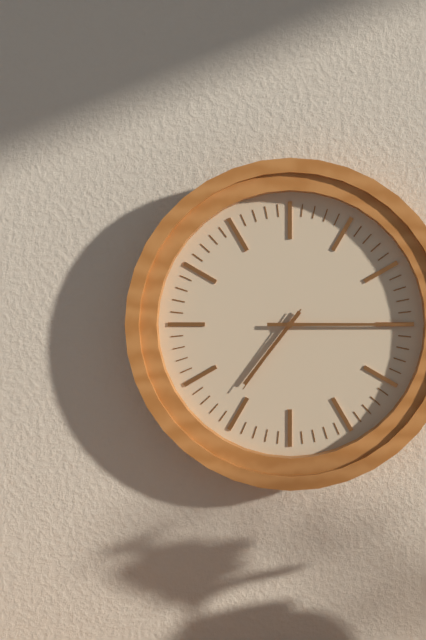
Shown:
**7:15:36**
